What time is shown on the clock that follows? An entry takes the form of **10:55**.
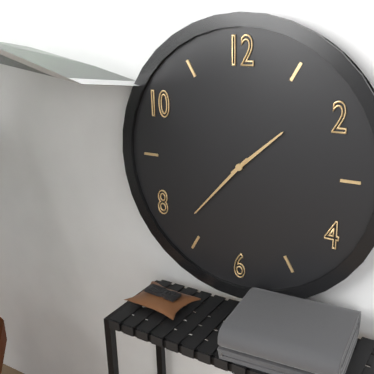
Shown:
**1:37**
